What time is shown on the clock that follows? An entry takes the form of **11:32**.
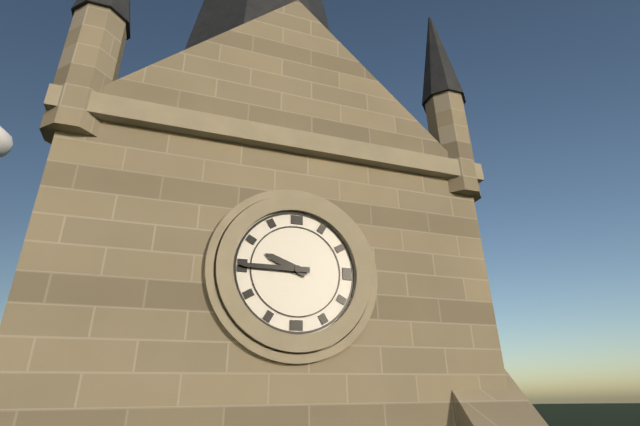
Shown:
**9:45**
